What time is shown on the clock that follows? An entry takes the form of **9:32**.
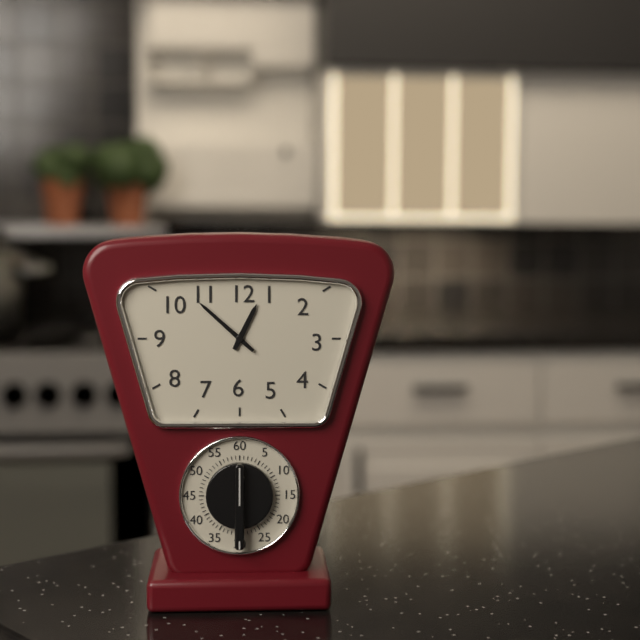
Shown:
**12:52**
